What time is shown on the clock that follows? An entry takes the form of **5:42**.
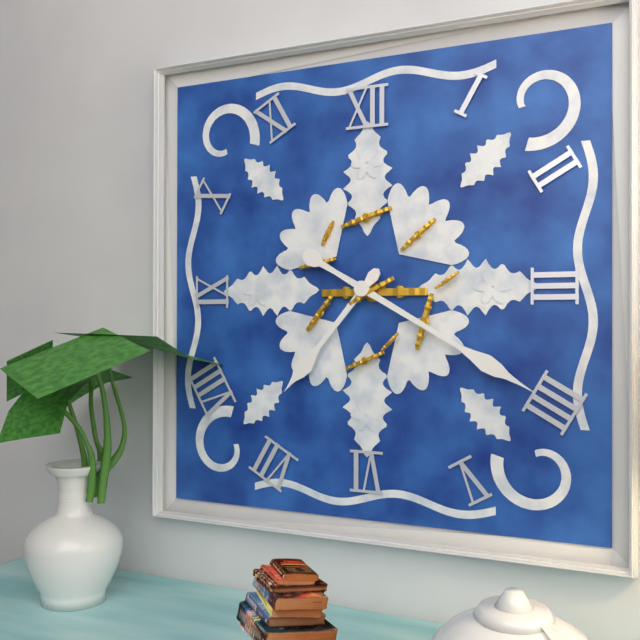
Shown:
**7:20**
